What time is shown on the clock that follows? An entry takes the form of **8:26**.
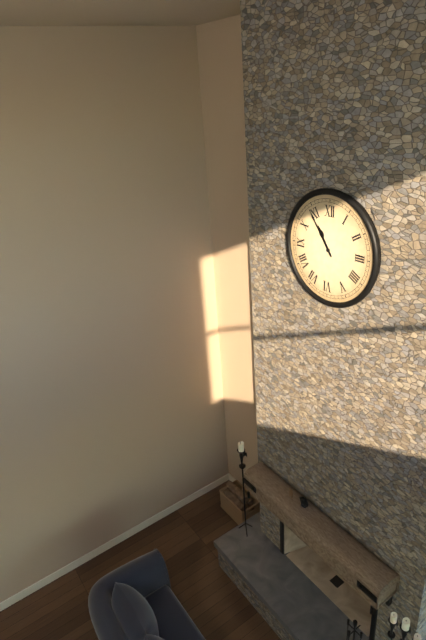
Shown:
**10:54**
